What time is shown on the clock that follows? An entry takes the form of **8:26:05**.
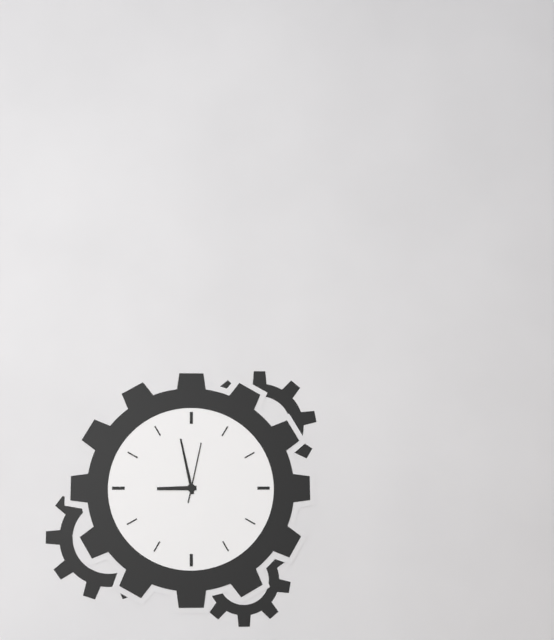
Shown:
**8:58:02**
